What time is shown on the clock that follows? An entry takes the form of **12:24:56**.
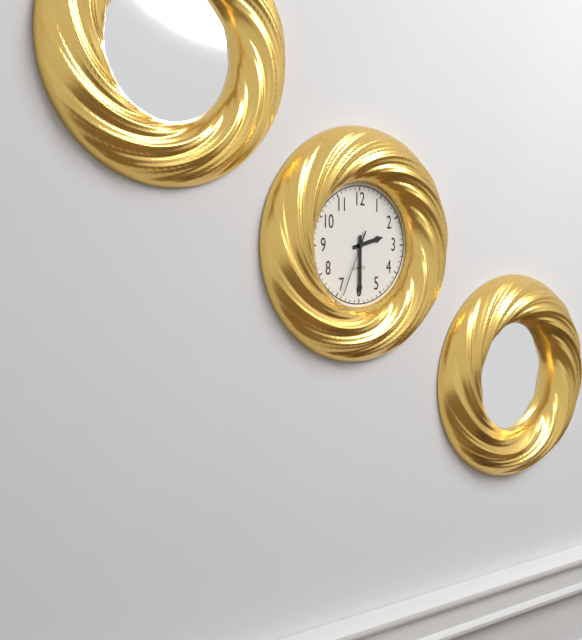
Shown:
**2:30:34**
